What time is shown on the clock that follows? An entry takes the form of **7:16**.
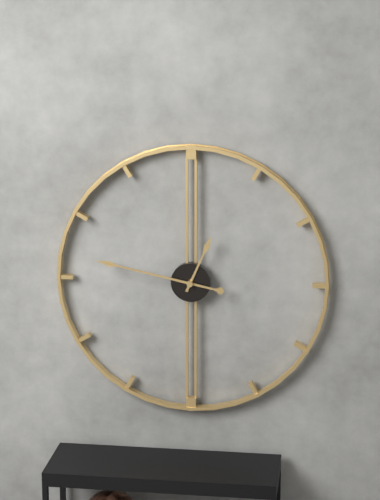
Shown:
**12:47**
